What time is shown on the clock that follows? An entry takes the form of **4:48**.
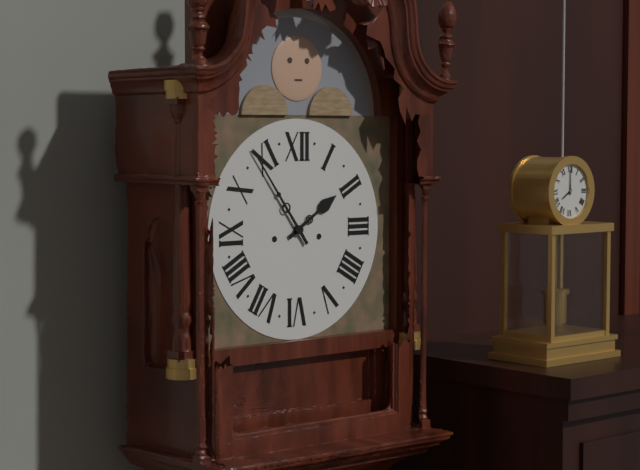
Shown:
**1:54**
